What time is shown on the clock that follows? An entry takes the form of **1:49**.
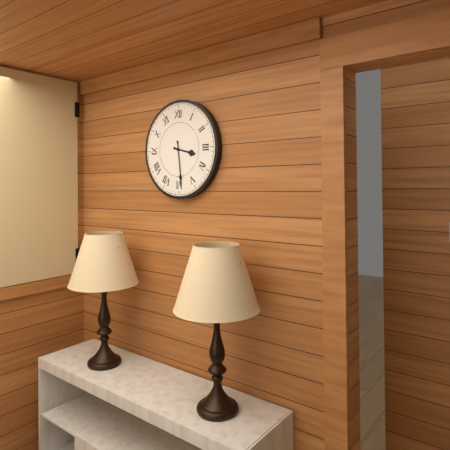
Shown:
**3:29**
